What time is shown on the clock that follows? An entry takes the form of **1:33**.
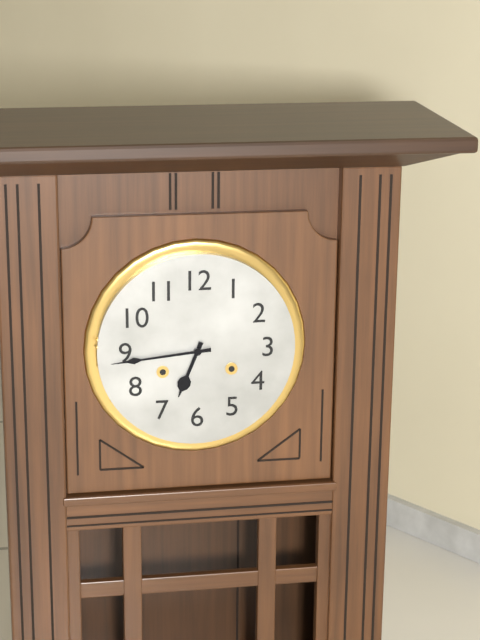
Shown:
**6:44**
